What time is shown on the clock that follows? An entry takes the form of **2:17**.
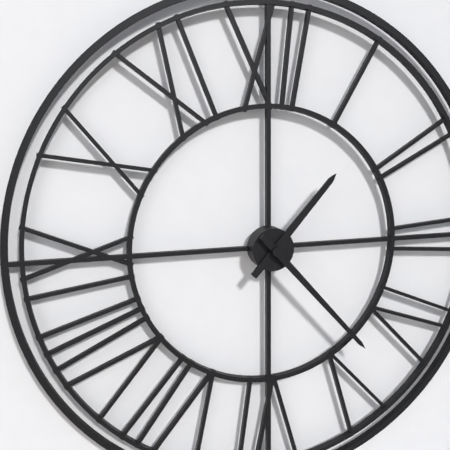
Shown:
**1:23**
